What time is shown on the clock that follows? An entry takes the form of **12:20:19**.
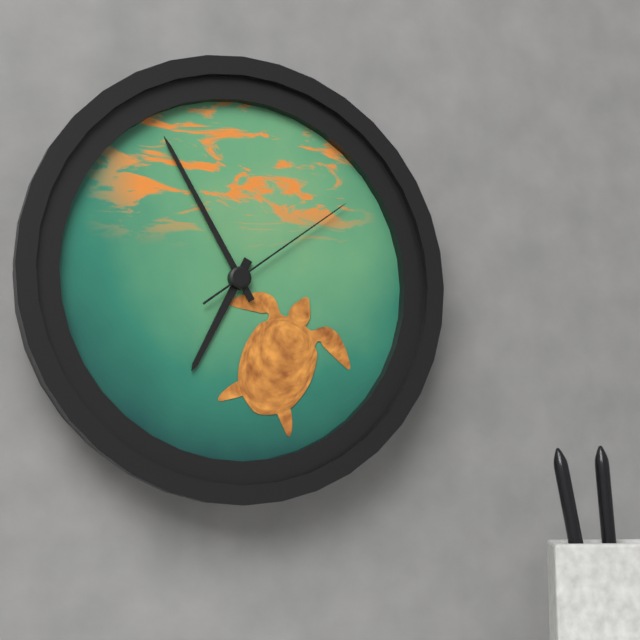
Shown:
**6:55:09**
